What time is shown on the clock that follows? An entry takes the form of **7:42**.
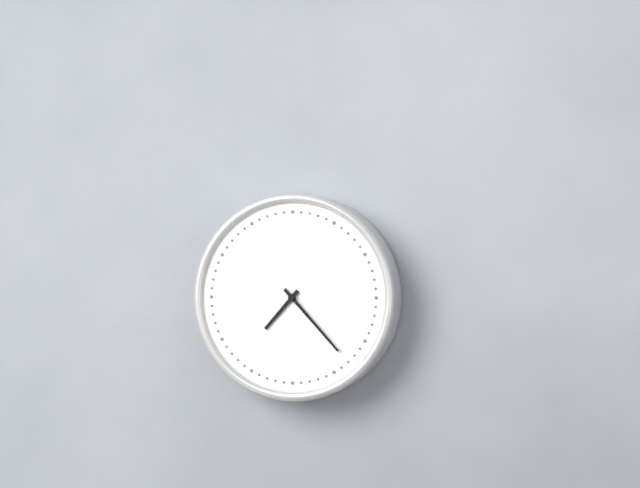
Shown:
**7:23**
